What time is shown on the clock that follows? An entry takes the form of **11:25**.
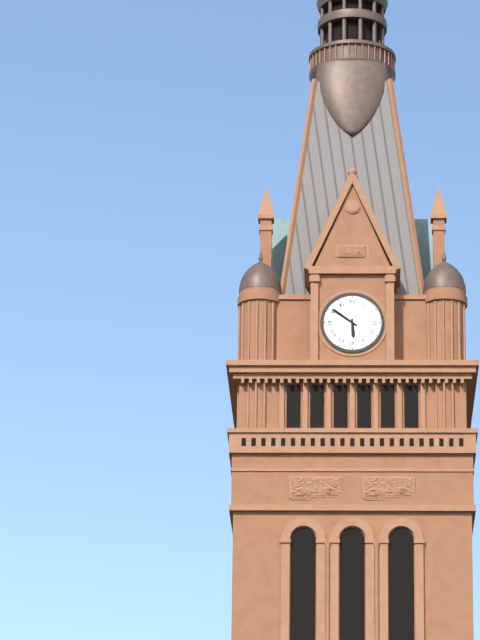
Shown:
**5:51**
